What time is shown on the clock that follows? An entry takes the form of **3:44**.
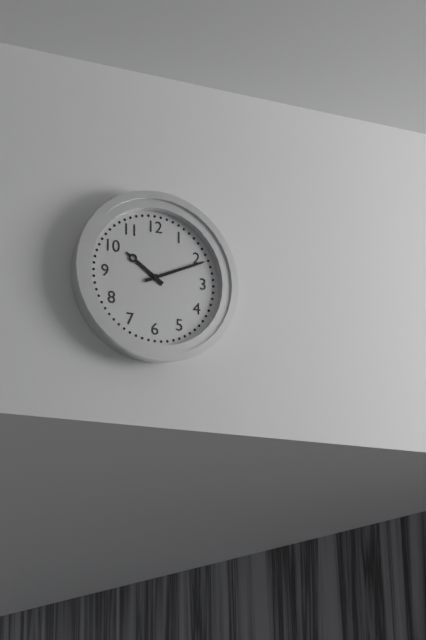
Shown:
**10:11**
